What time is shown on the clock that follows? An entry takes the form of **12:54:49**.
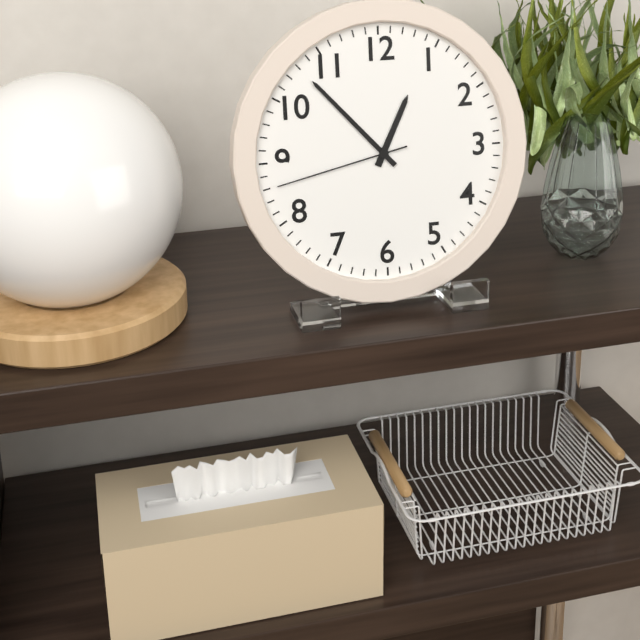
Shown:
**12:53:43**
